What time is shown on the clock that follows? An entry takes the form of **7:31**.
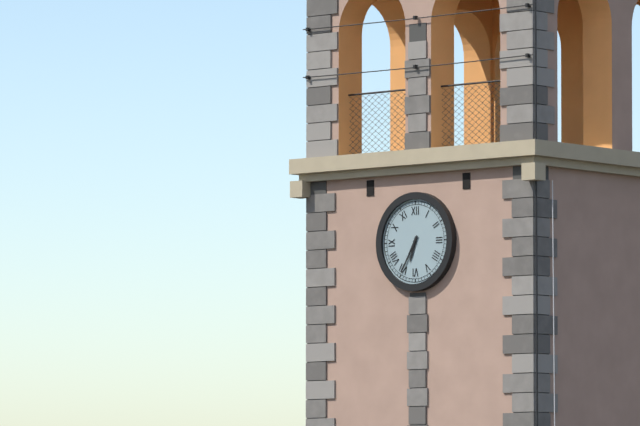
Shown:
**6:35**
